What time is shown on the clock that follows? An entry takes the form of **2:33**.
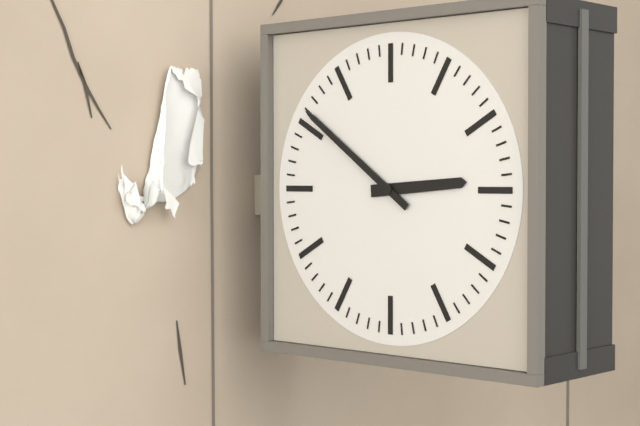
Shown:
**2:51**
